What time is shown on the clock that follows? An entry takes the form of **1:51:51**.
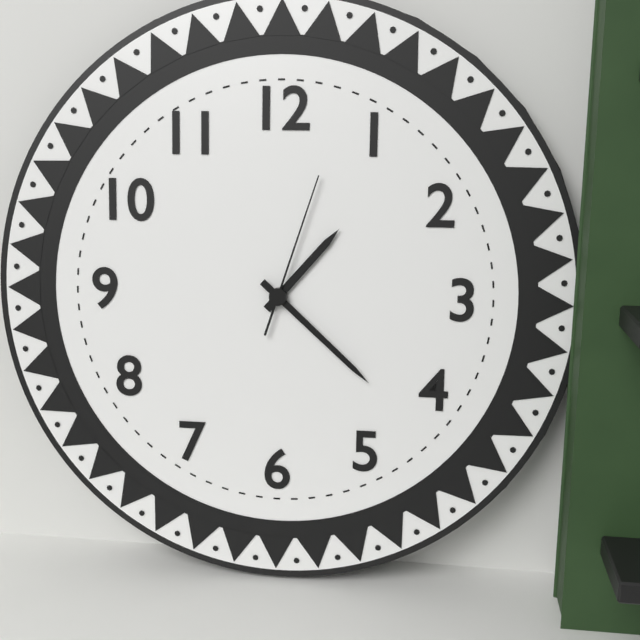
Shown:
**1:22:03**
